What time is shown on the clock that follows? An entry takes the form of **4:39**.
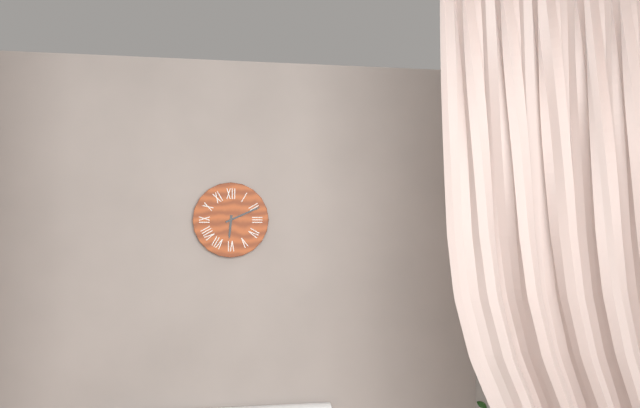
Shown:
**6:11**
